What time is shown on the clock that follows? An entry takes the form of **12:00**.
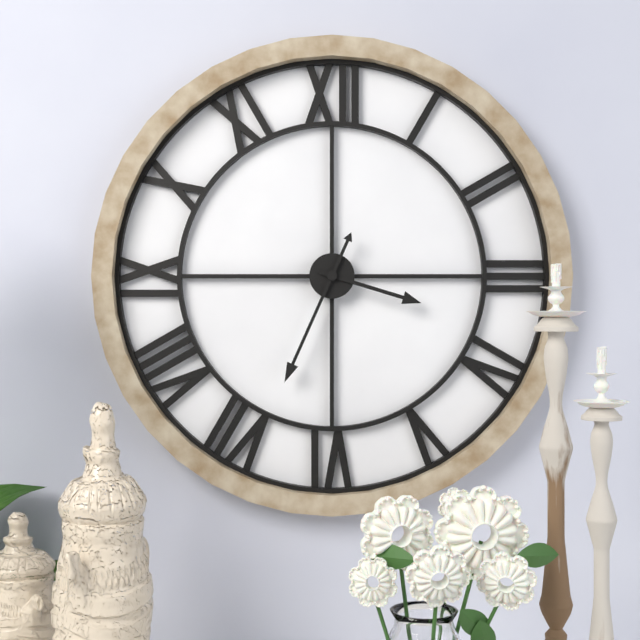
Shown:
**3:34**
